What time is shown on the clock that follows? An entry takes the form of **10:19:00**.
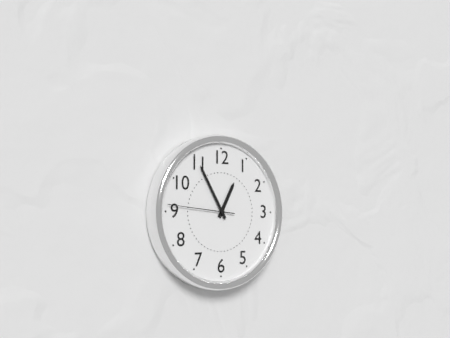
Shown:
**12:55:46**
